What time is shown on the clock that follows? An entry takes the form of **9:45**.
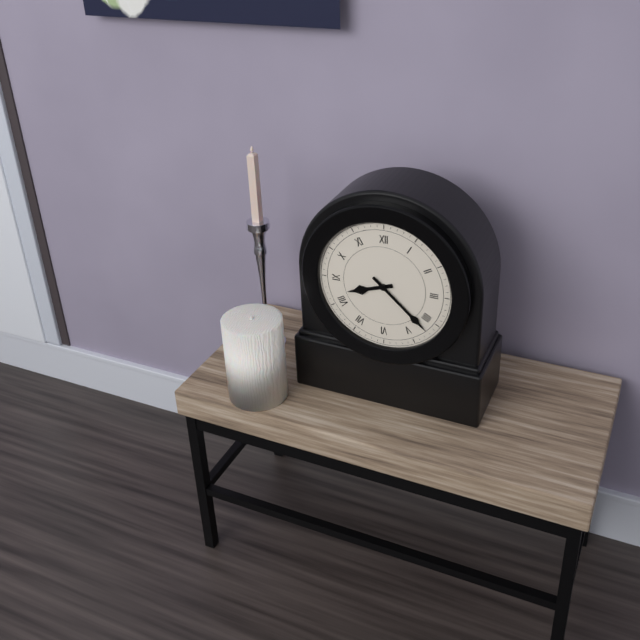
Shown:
**8:22**
